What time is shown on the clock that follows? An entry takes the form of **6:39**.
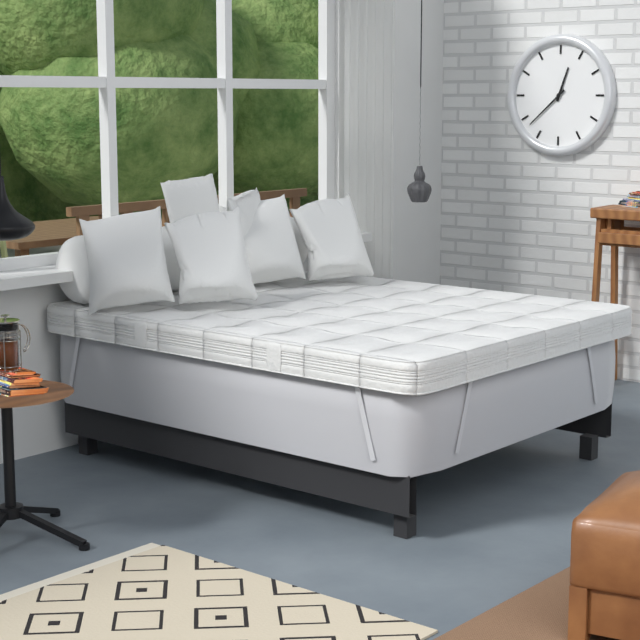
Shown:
**12:38**
